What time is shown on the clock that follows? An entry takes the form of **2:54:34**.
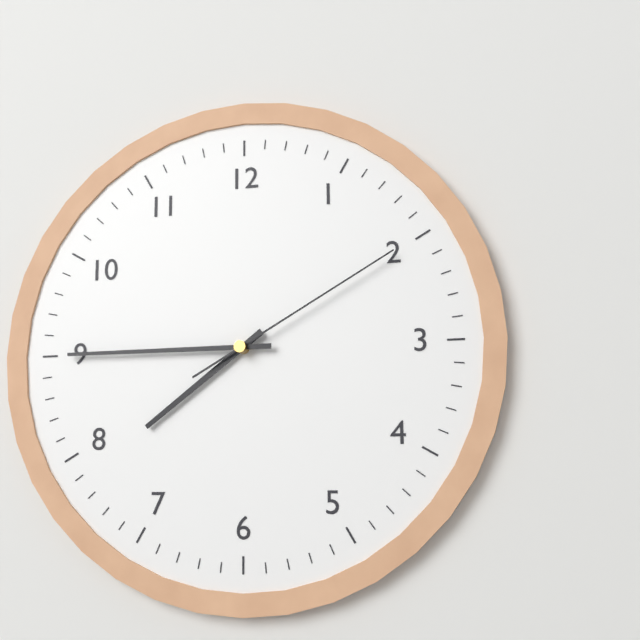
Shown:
**7:45:10**
